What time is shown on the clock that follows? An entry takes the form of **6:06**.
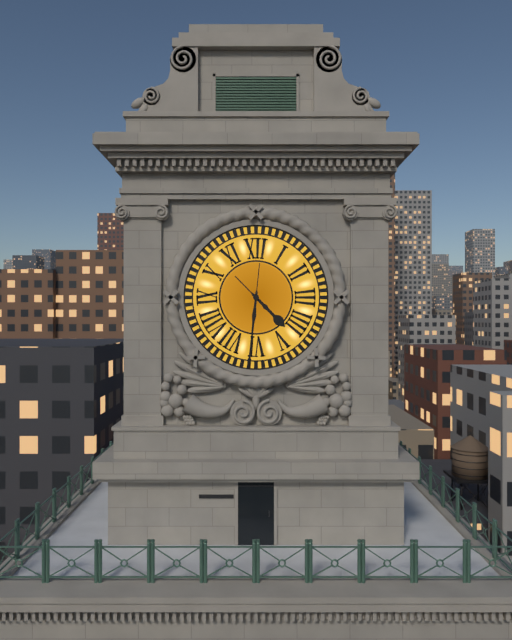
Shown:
**4:31**
